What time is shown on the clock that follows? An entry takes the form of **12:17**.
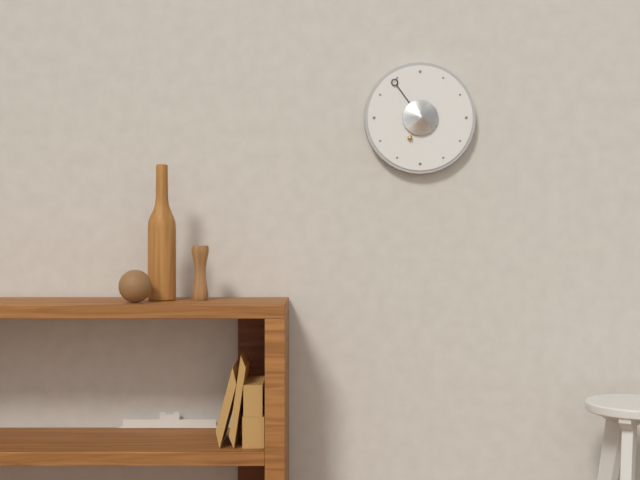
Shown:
**6:54**
